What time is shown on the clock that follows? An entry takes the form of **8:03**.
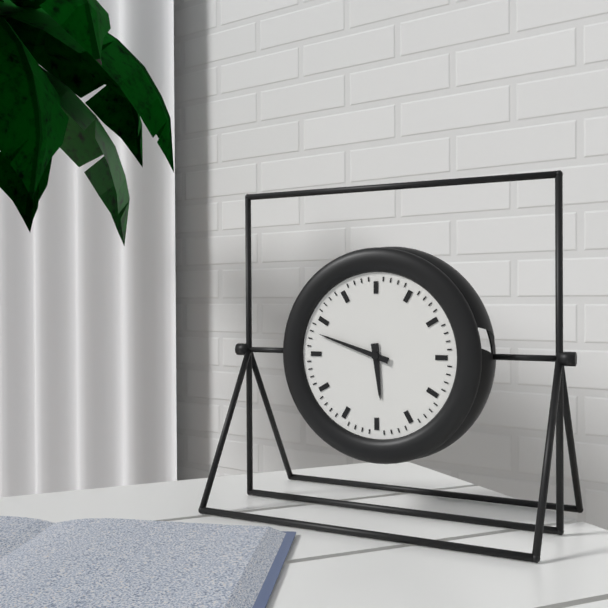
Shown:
**5:48**
